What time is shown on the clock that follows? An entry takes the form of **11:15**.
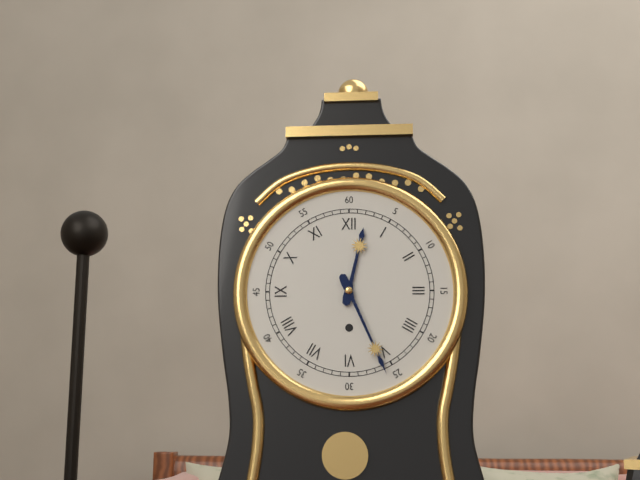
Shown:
**12:26**
